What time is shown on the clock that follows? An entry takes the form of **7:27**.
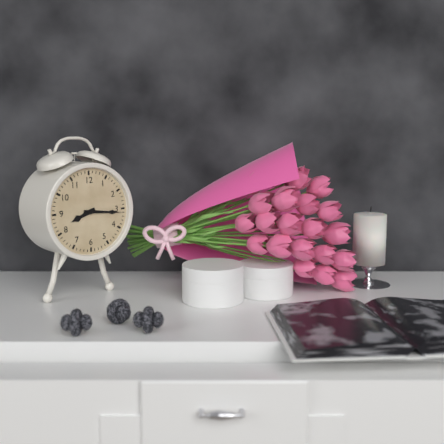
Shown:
**8:16**
